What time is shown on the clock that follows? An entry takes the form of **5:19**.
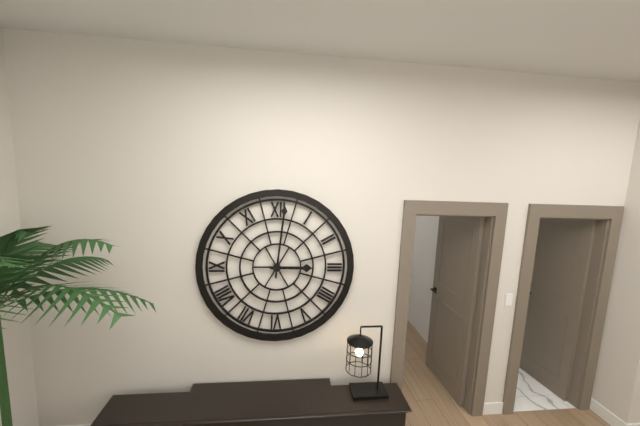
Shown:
**3:01**
